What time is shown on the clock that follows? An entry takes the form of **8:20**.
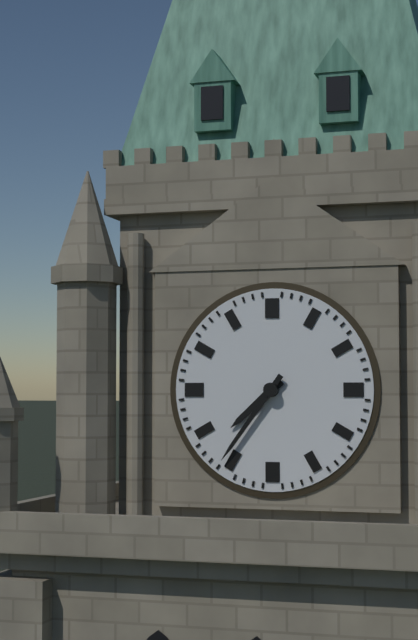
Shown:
**7:36**
